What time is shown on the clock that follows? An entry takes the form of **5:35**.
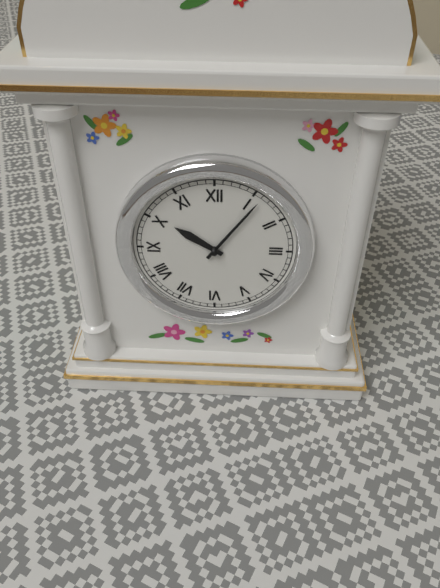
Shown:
**10:06**
